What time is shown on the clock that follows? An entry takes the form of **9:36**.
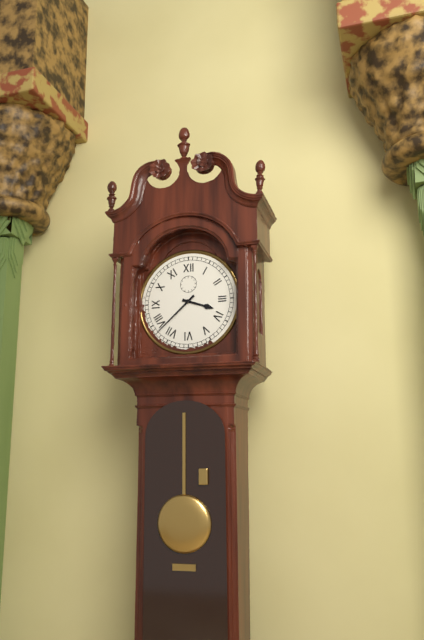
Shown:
**3:38**
